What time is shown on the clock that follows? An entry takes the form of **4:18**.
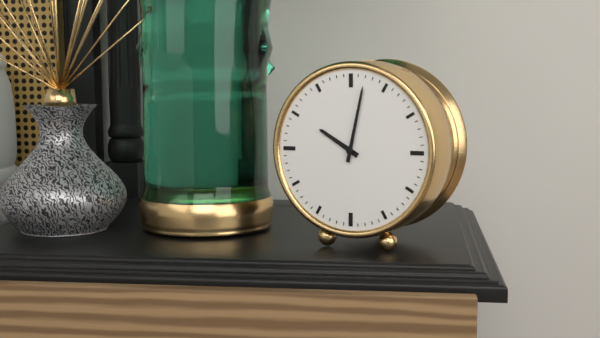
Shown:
**10:02**
